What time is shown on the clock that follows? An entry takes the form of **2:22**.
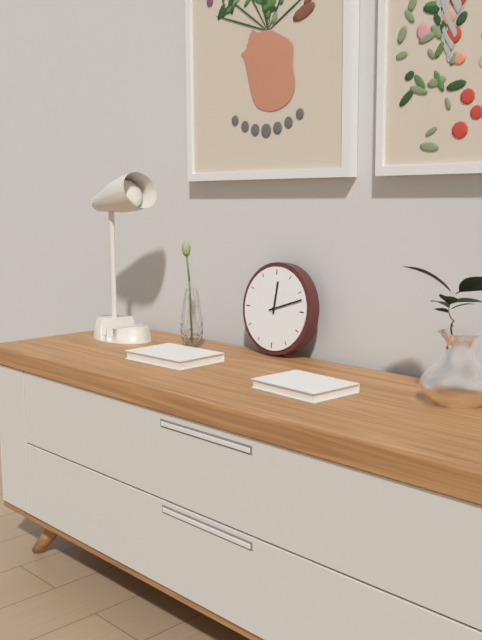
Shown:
**12:12**
